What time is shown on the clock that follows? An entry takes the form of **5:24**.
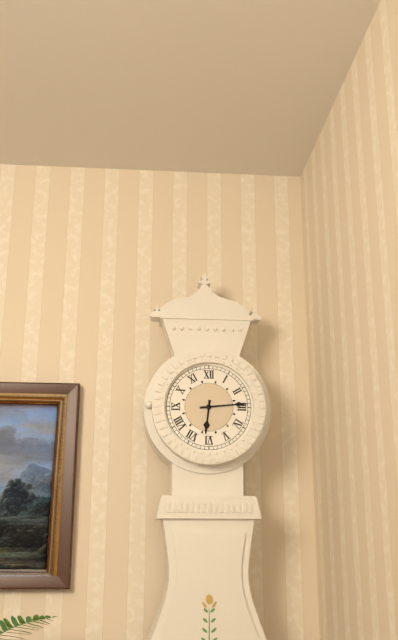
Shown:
**6:14**
